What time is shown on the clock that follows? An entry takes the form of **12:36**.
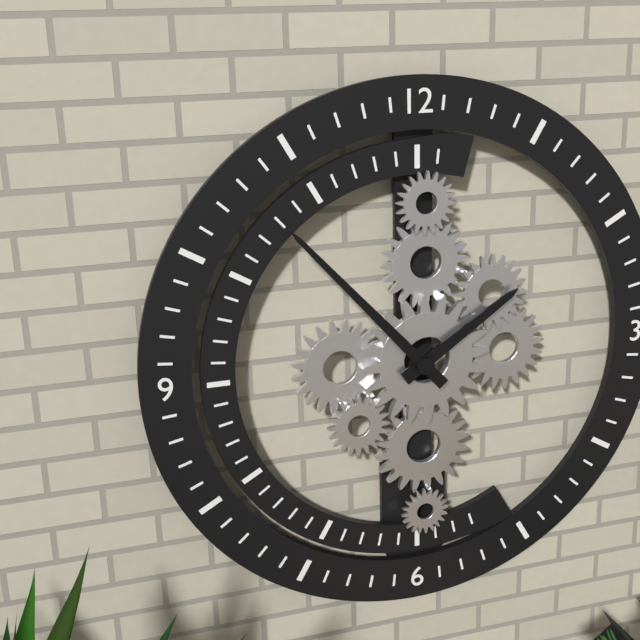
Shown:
**1:53**
